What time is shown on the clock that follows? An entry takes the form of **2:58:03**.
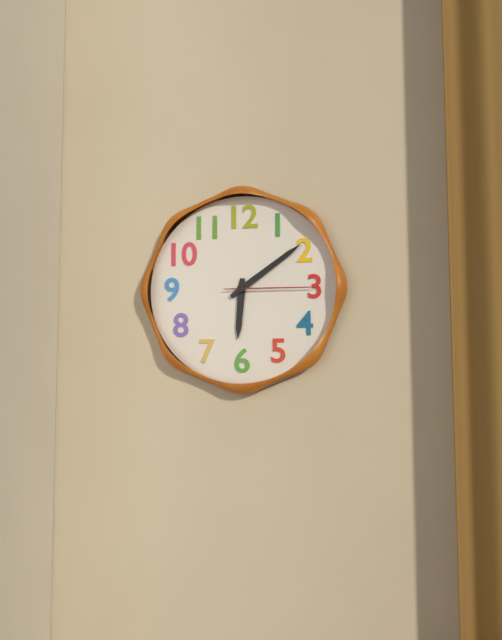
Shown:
**6:09:15**
